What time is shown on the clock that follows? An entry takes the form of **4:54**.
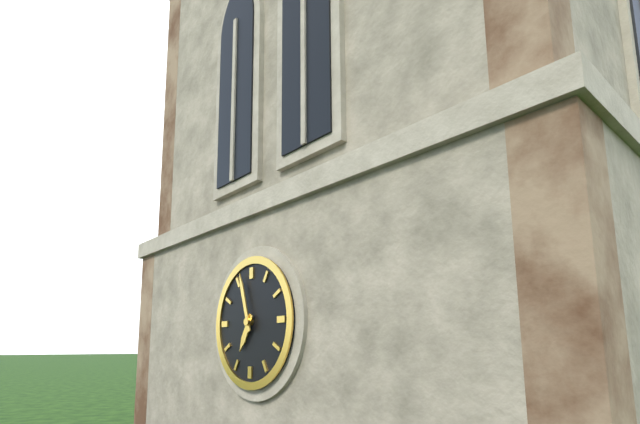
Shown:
**6:57**
